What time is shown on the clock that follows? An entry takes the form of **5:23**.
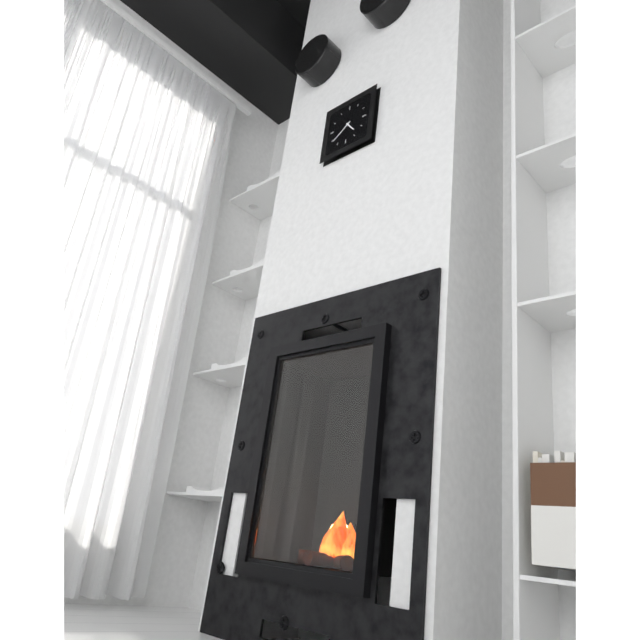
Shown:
**4:39**
